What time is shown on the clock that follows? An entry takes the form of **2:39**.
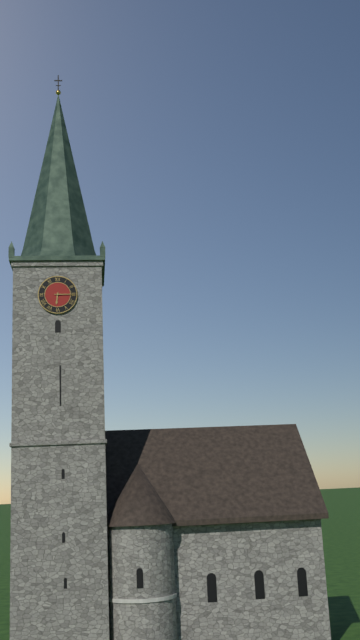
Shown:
**6:15**
